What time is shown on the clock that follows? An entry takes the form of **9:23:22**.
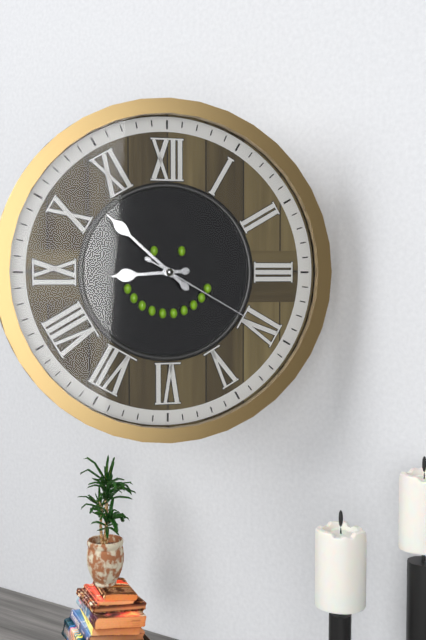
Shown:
**8:52:20**
